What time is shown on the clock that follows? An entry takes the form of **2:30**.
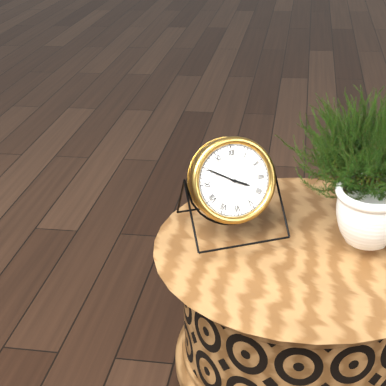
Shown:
**3:50**
